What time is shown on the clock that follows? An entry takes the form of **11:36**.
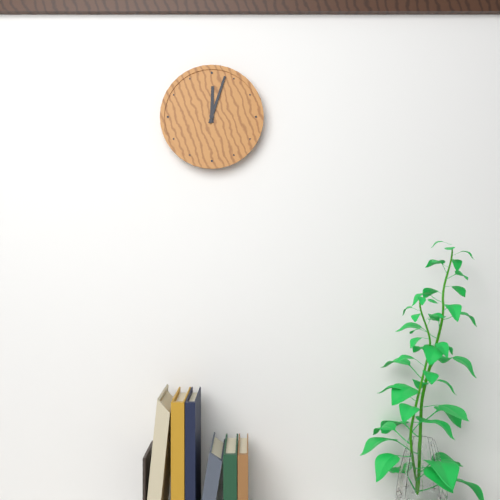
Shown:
**12:03**
